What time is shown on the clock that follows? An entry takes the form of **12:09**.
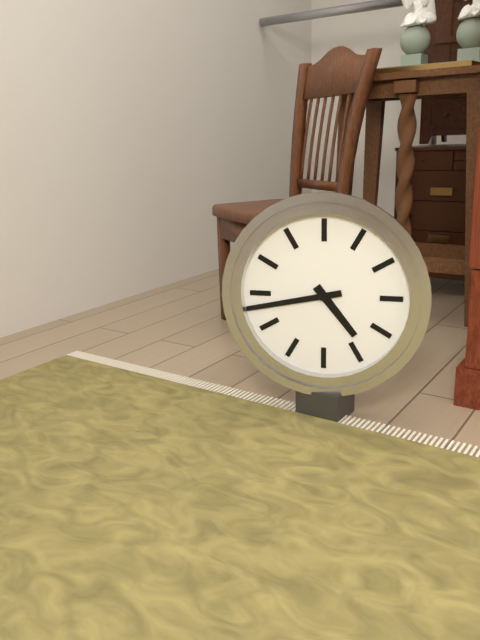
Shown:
**4:43**
